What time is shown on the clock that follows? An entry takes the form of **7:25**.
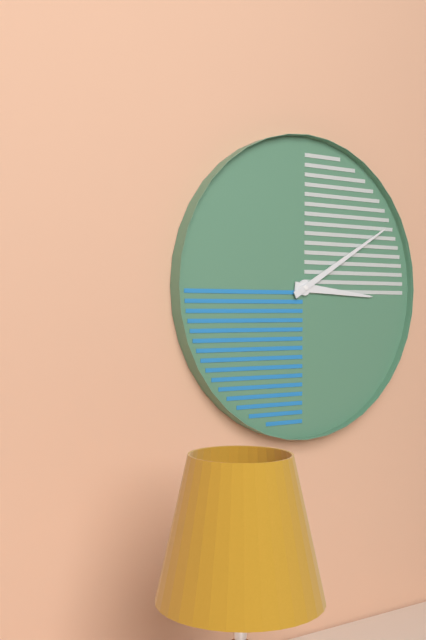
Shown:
**3:10**
